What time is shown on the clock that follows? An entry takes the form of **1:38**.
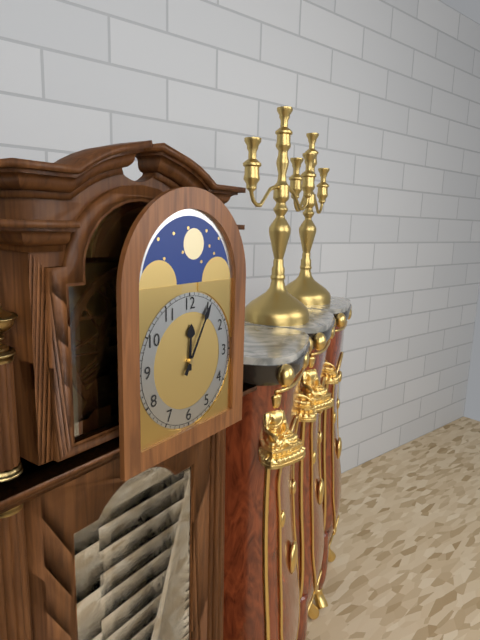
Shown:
**12:05**
